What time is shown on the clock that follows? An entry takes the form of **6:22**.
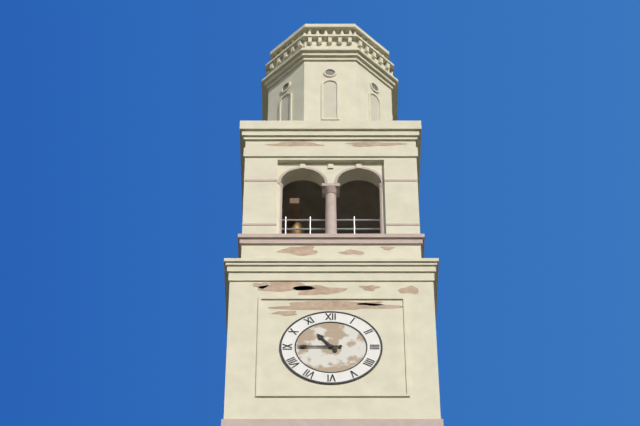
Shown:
**10:45**
